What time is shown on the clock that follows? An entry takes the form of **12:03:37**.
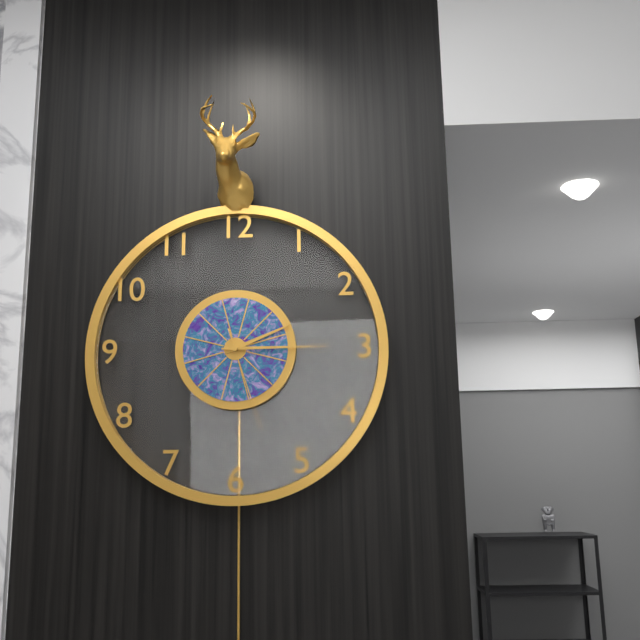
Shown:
**2:15:27**
